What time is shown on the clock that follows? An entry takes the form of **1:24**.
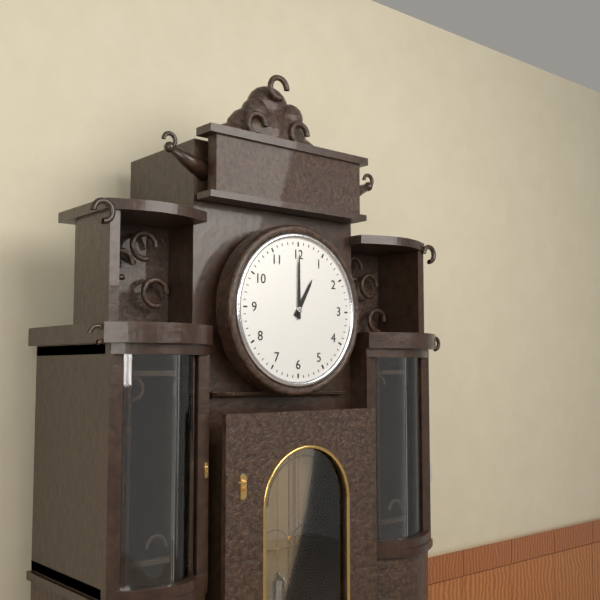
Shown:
**1:00**
